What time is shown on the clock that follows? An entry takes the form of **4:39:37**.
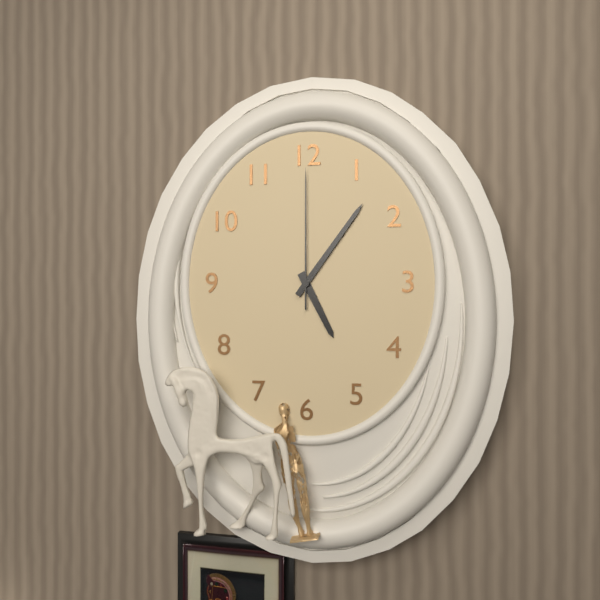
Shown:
**5:06:00**
